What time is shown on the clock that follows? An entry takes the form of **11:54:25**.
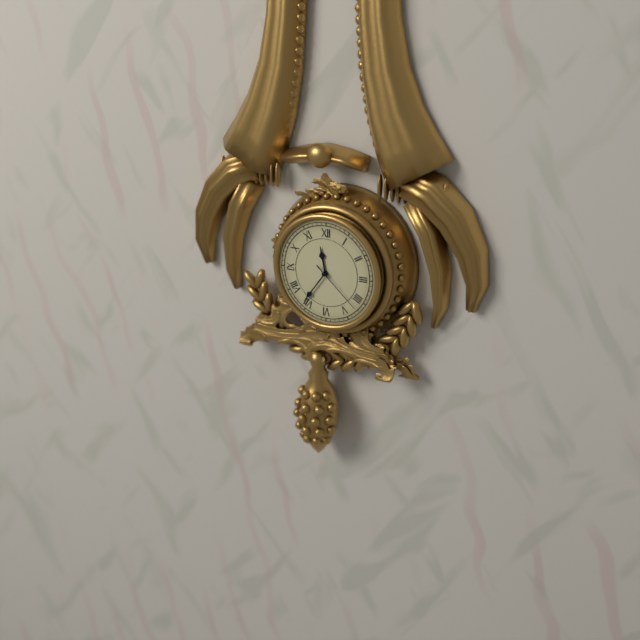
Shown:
**11:36:22**
